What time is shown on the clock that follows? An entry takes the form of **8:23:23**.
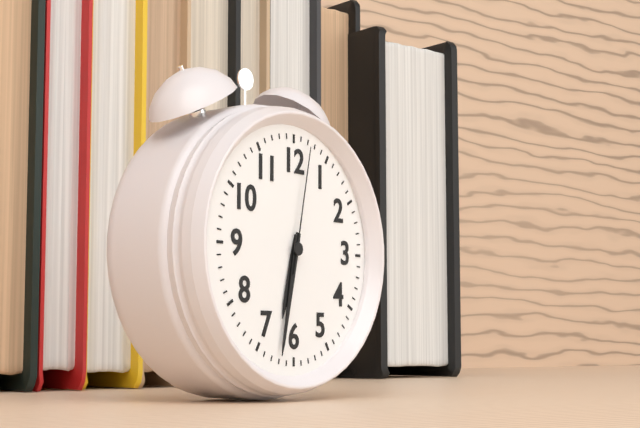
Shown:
**6:32:02**
